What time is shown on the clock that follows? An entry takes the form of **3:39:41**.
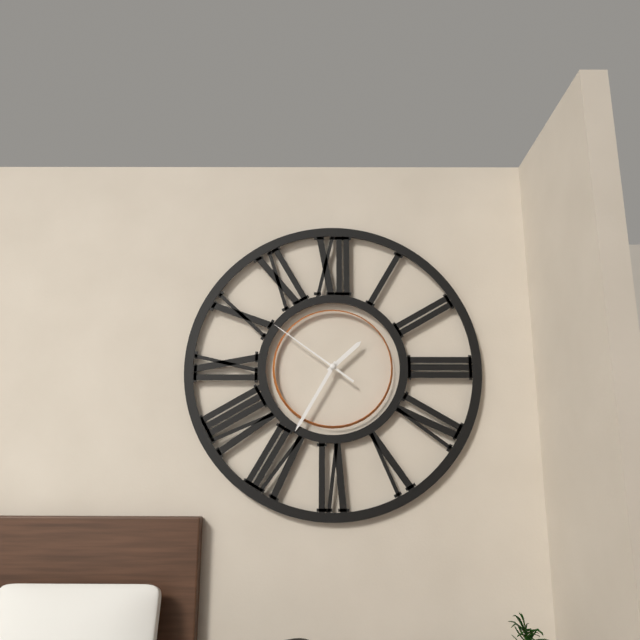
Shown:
**1:35:51**
